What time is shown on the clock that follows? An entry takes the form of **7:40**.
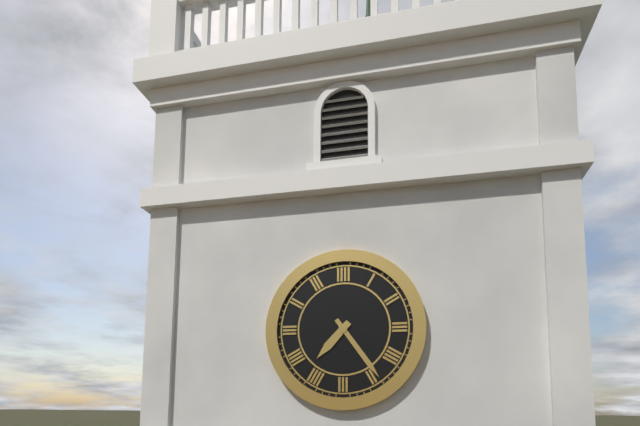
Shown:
**7:24**
